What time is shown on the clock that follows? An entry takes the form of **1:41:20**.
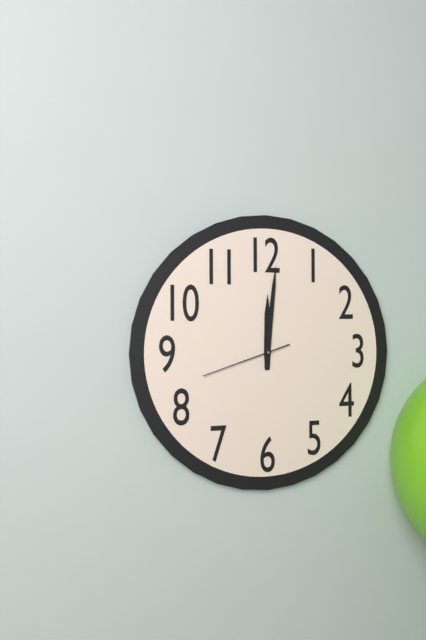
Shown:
**12:01:42**
